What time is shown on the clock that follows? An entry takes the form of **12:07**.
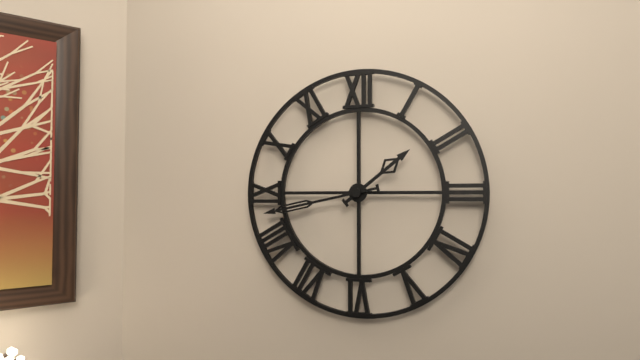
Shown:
**1:43**
